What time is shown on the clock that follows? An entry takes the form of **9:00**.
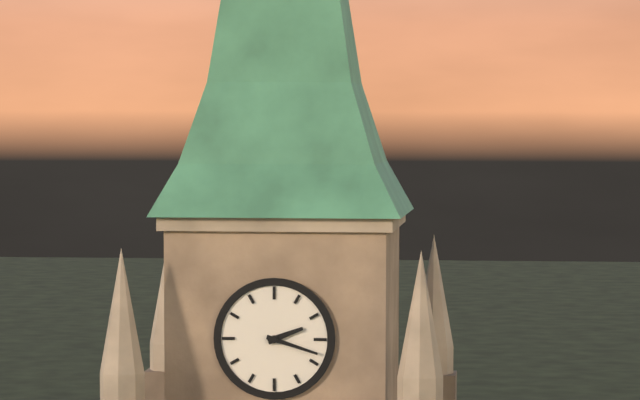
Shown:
**2:18**
